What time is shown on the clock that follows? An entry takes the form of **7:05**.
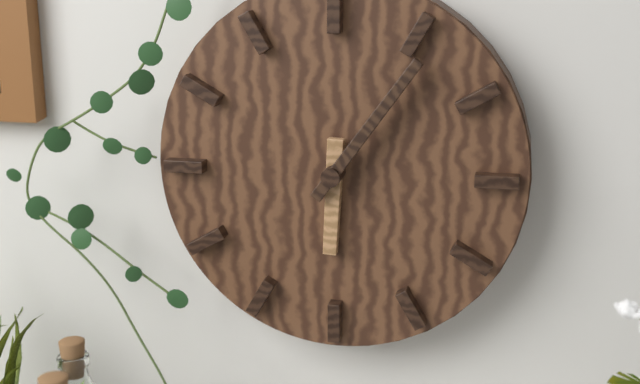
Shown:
**6:06**
